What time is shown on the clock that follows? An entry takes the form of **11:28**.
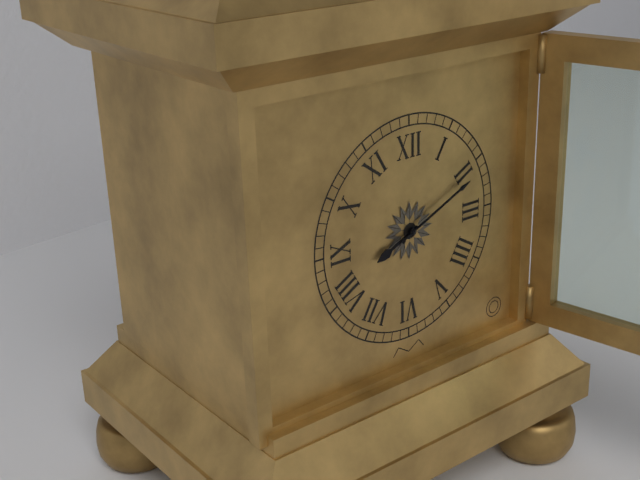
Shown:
**8:11**
